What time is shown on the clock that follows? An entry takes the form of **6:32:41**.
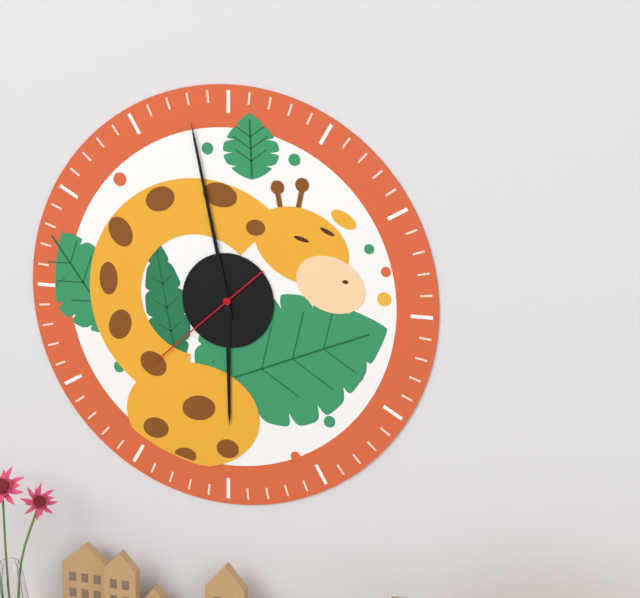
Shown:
**5:58:38**
